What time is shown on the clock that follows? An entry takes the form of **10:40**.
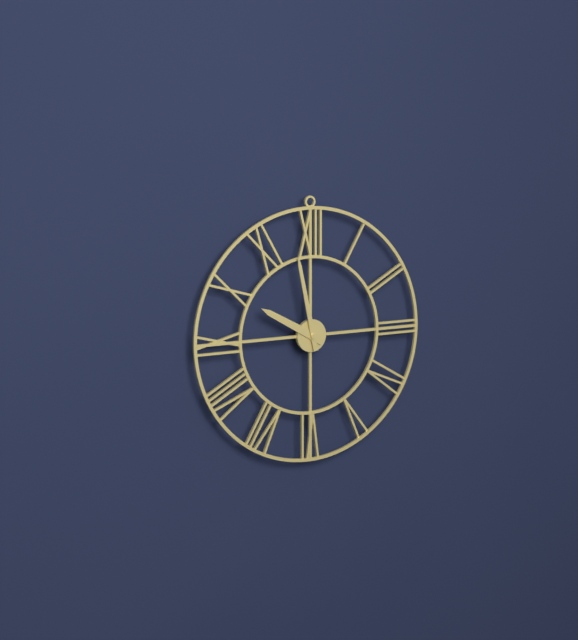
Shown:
**9:58**
